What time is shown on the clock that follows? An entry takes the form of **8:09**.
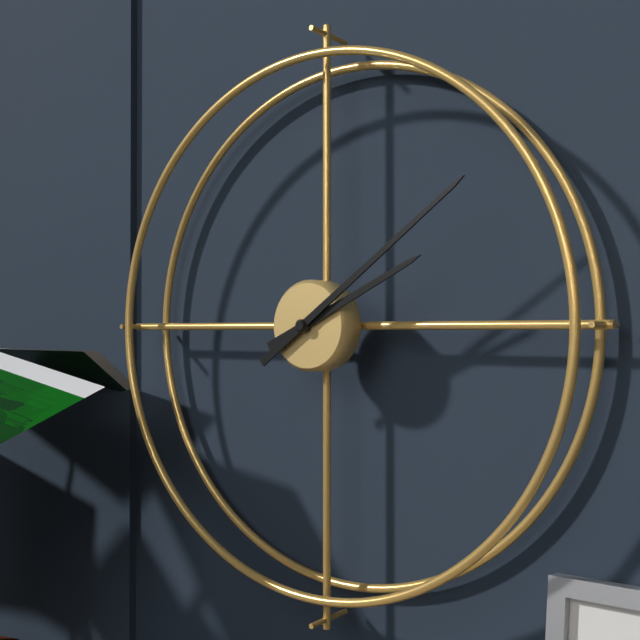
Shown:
**2:09**
